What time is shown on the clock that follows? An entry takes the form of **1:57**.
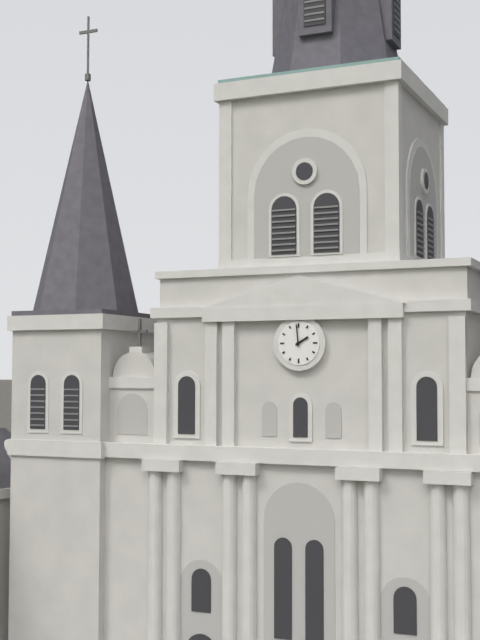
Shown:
**1:59**
